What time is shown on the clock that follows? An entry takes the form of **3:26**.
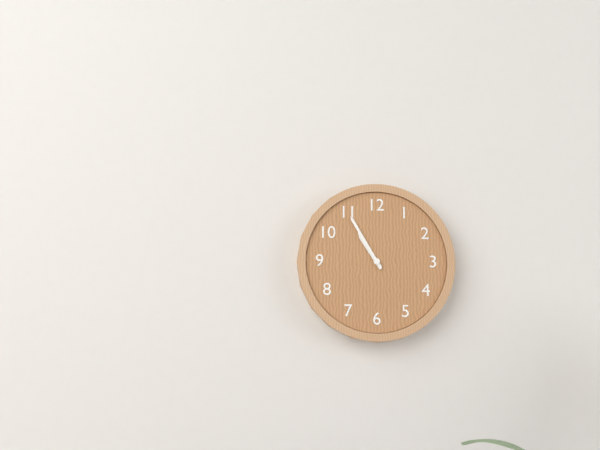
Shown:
**10:55**
